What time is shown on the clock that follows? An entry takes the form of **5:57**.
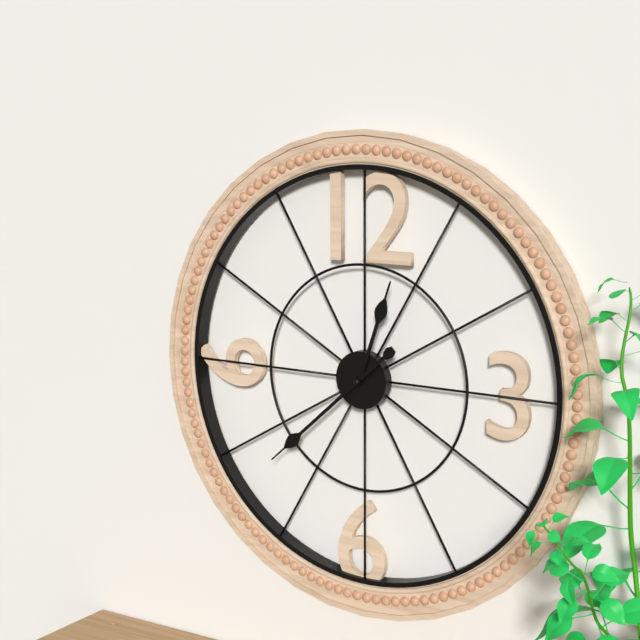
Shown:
**12:38**
